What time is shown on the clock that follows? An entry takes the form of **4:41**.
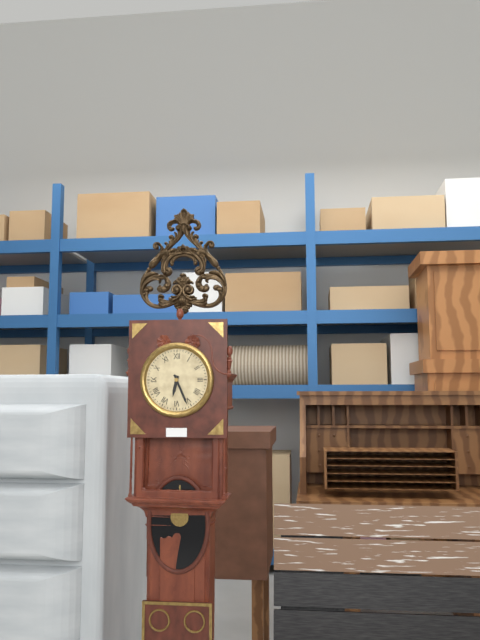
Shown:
**6:26**
